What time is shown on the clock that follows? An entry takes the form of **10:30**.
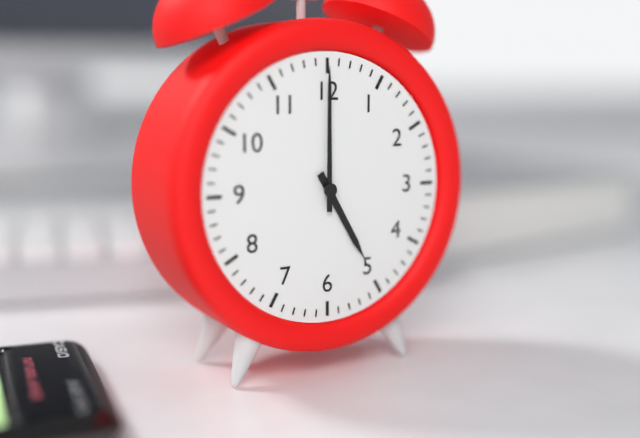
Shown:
**5:00**
